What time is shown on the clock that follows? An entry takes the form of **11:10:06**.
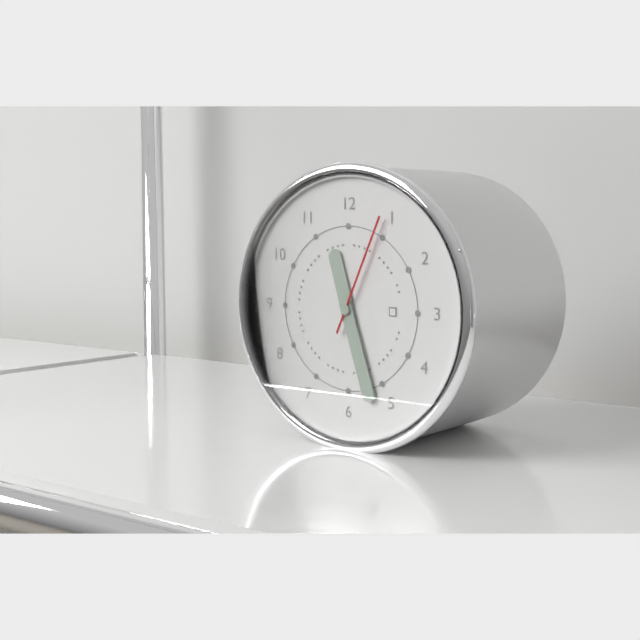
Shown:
**11:27:04**
